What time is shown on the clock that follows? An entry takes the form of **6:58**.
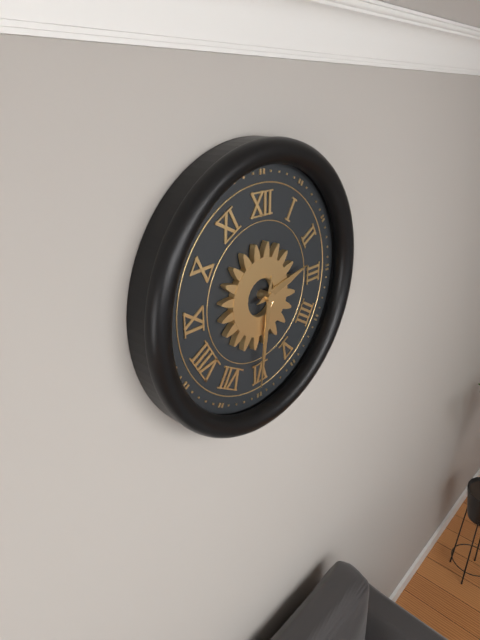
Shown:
**2:31**
